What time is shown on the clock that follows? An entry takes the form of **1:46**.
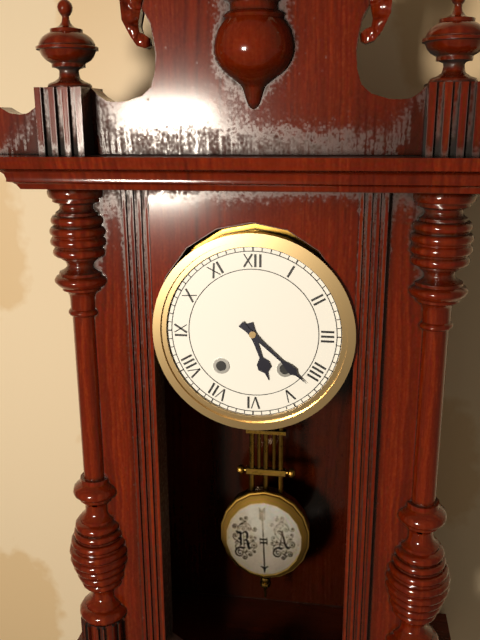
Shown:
**5:22**
